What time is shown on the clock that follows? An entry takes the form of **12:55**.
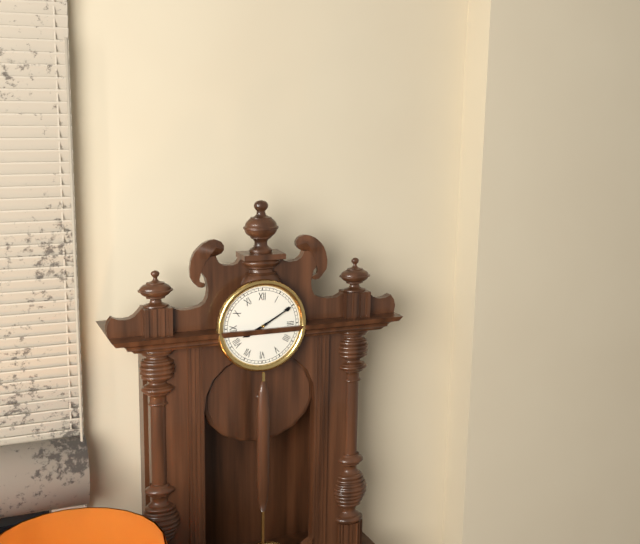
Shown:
**8:10**
